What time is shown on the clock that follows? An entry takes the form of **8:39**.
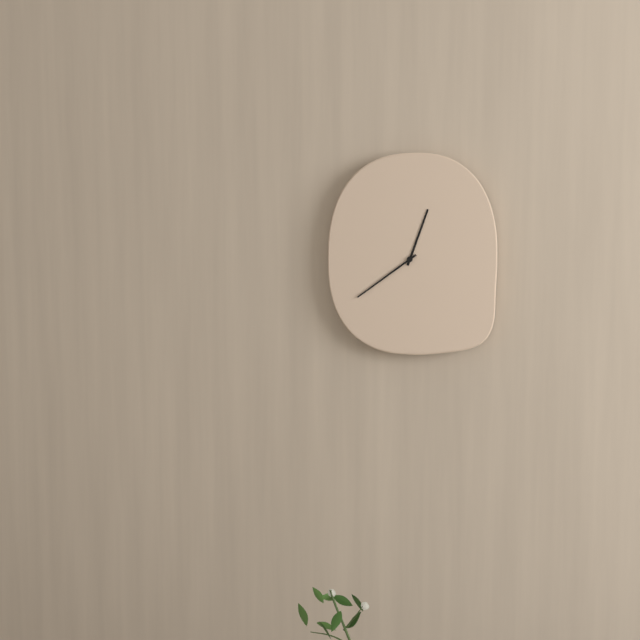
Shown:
**12:39**
